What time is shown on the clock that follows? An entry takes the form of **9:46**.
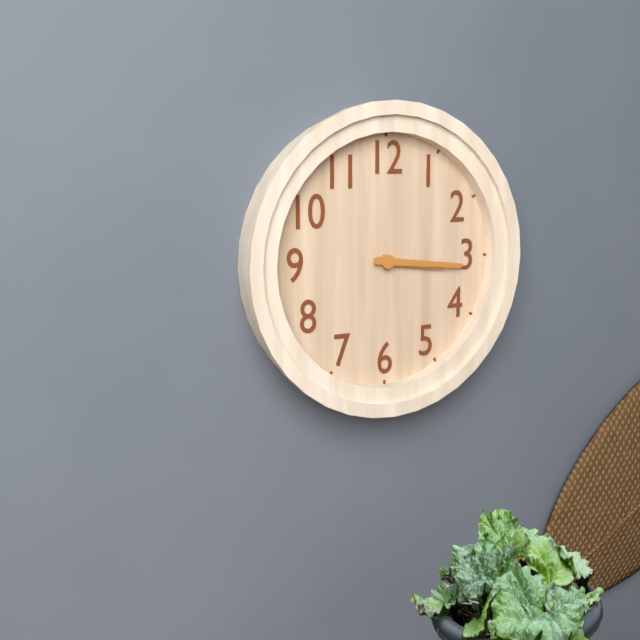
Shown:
**3:16**
